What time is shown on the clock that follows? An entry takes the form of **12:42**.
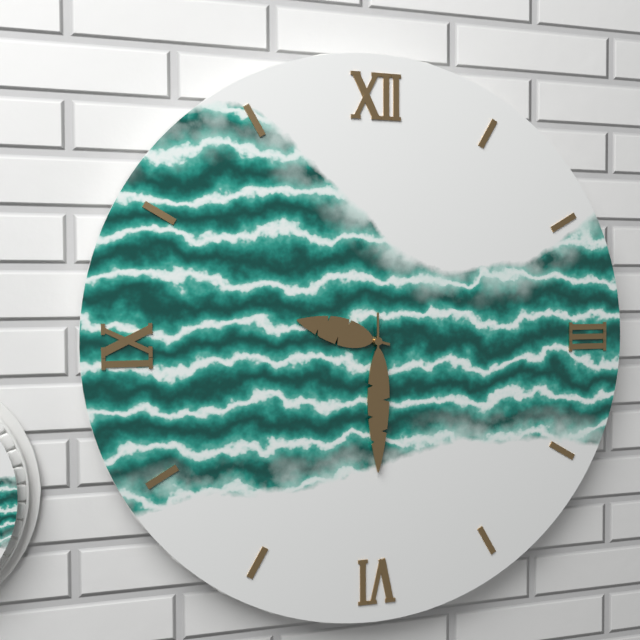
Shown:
**9:30**
